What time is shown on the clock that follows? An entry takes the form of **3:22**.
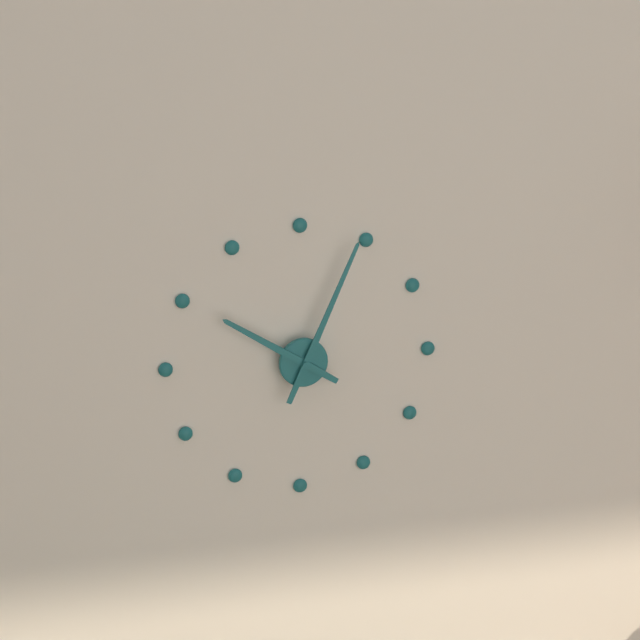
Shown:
**10:04**
